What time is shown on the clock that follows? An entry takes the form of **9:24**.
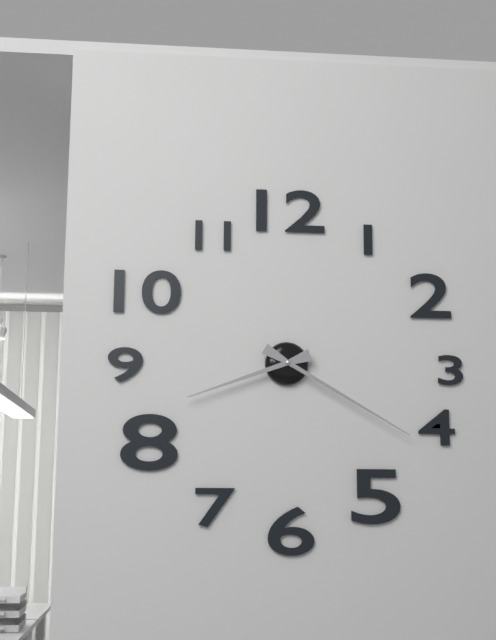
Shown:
**8:20**
